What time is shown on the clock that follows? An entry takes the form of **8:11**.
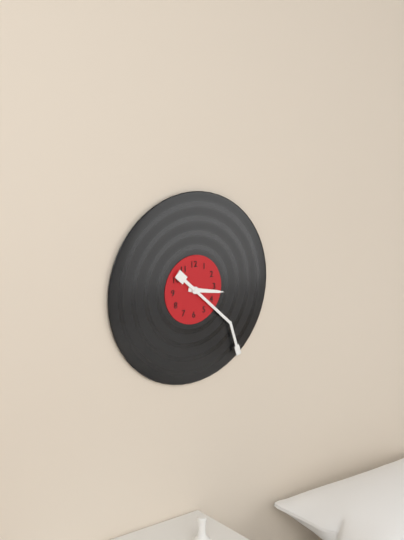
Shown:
**3:22**
